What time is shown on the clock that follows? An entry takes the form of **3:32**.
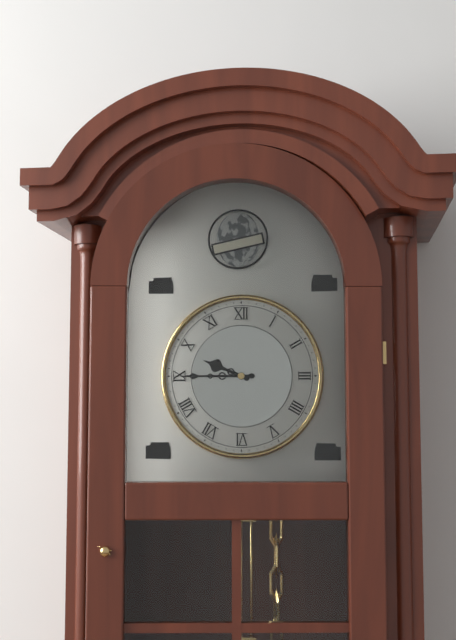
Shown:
**9:45**
